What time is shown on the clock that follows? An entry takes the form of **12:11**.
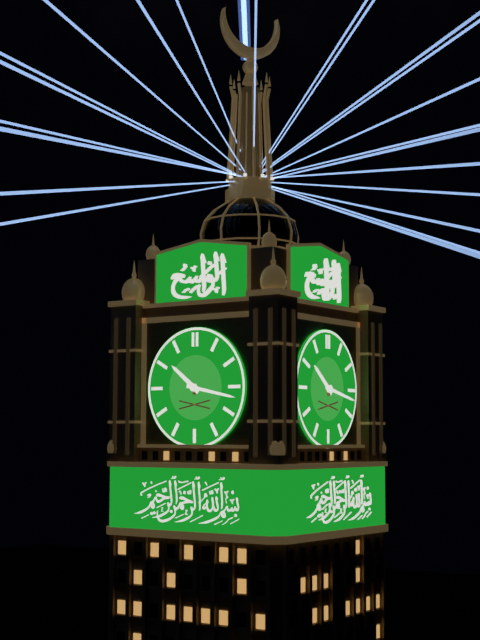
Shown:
**10:17**
